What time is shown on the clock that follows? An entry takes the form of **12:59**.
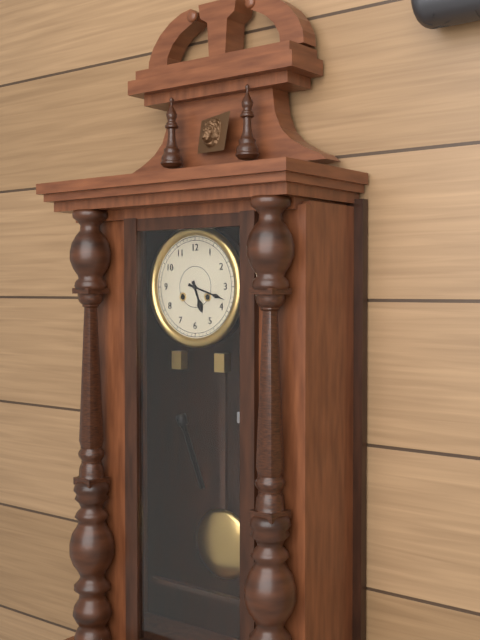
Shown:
**5:18**
